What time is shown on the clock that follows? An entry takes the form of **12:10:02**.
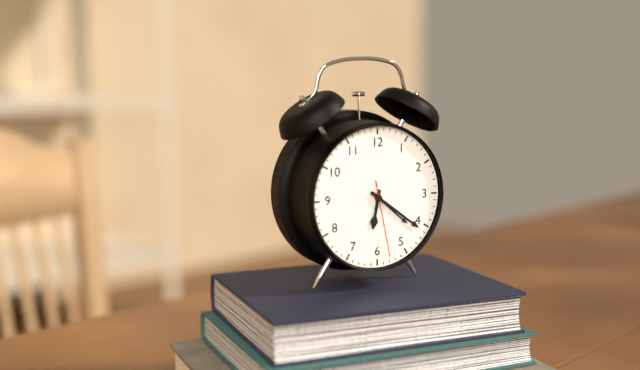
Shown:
**6:21:28**
